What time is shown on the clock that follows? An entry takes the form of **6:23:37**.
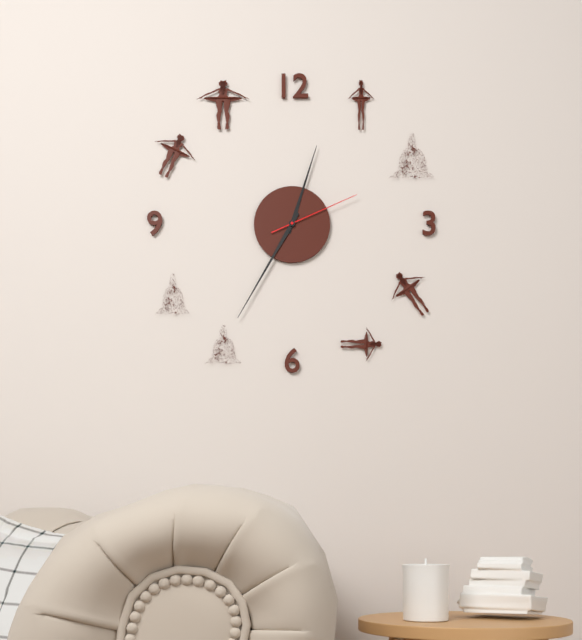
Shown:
**12:35:11**
